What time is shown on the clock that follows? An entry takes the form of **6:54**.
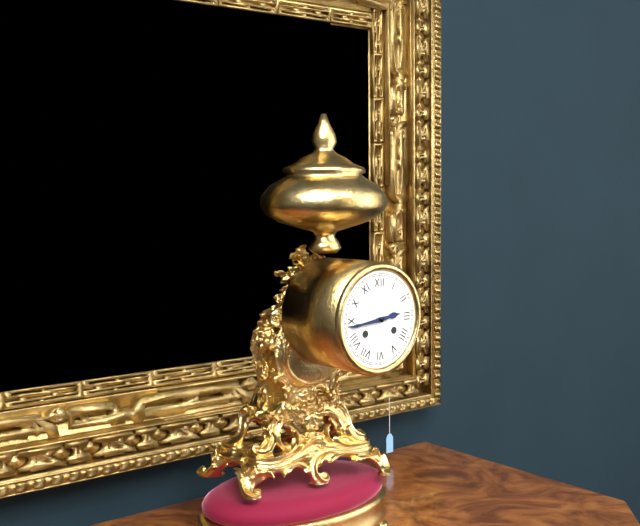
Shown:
**2:44**
